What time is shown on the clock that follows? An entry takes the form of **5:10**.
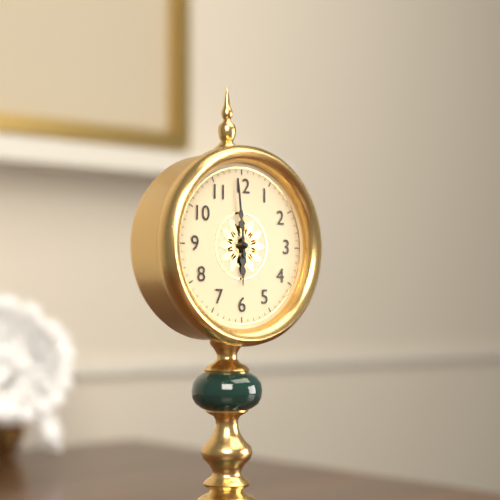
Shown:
**5:59**
